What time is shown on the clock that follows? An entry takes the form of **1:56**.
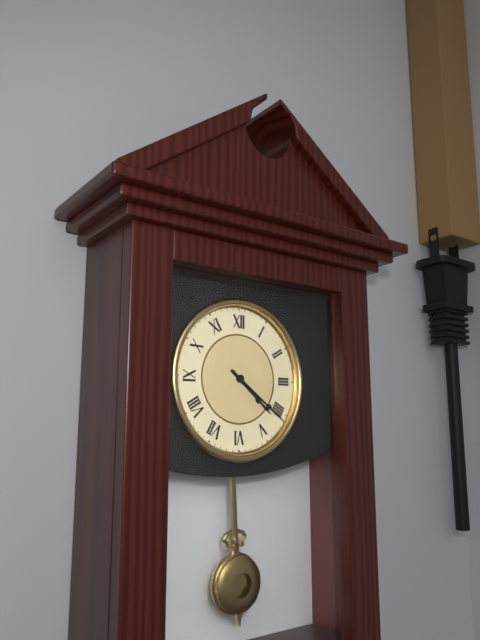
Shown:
**4:21**
